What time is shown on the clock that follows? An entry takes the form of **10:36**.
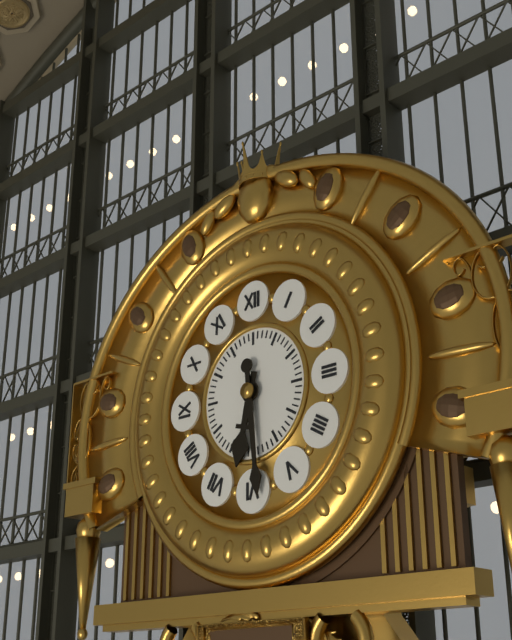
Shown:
**6:29**
